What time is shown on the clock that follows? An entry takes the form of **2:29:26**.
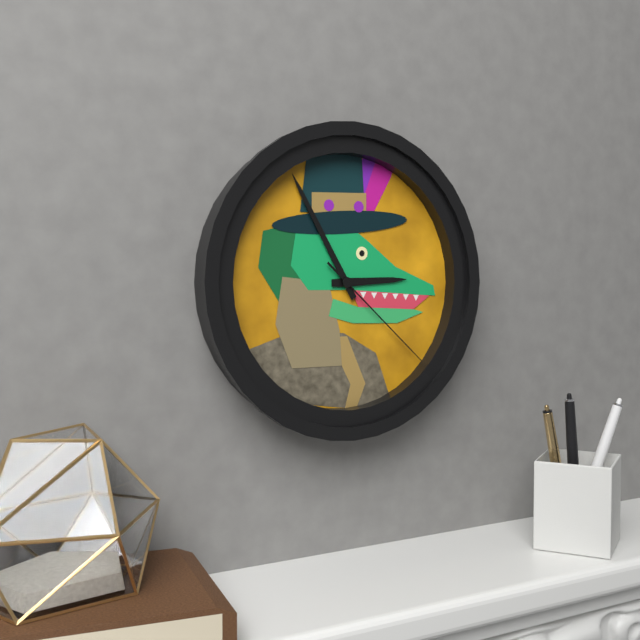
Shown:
**2:55:22**
